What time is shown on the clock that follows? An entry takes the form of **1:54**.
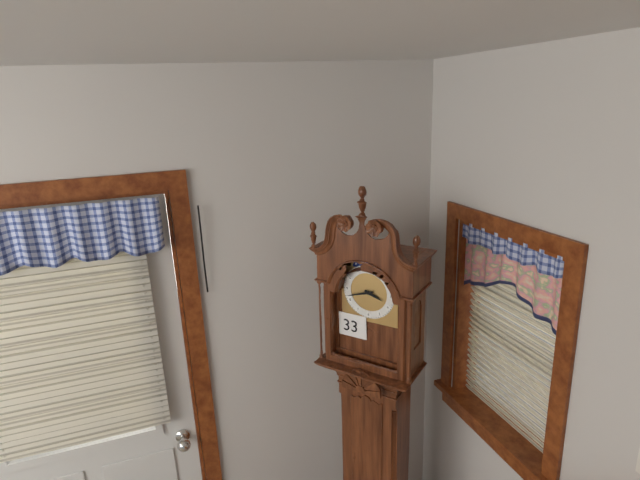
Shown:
**3:42**
